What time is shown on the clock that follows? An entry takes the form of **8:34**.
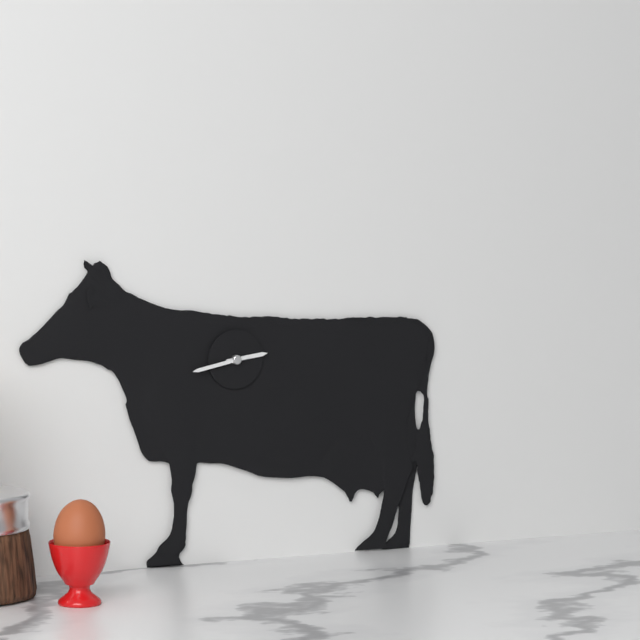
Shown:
**2:43**
